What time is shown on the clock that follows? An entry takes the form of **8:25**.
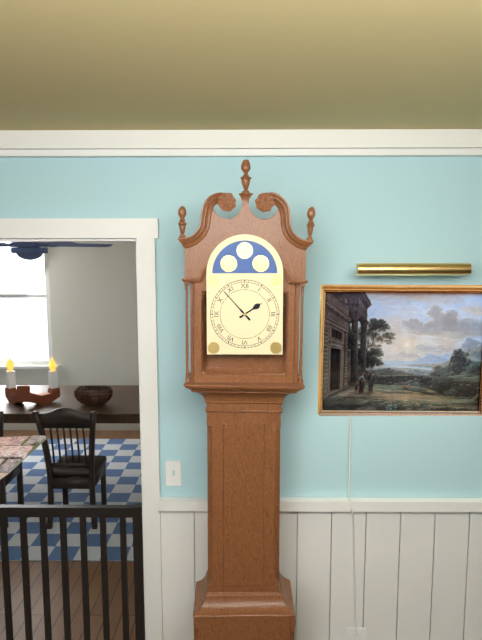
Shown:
**1:53**
